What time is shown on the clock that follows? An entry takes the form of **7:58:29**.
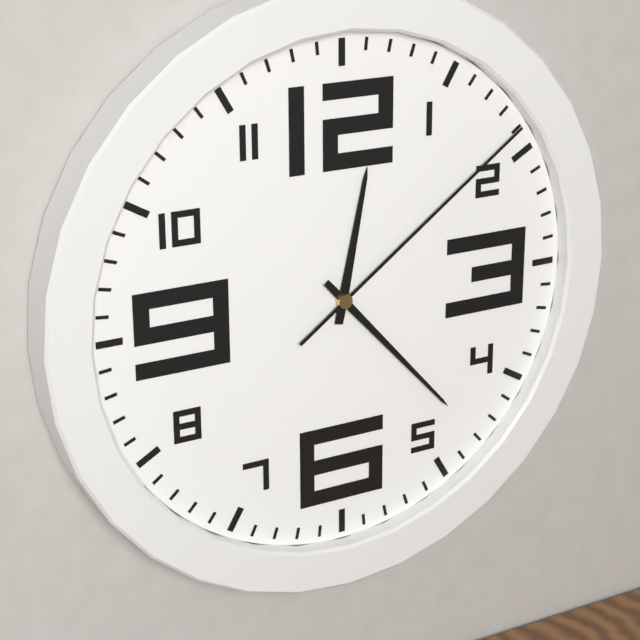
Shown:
**12:23:09**
